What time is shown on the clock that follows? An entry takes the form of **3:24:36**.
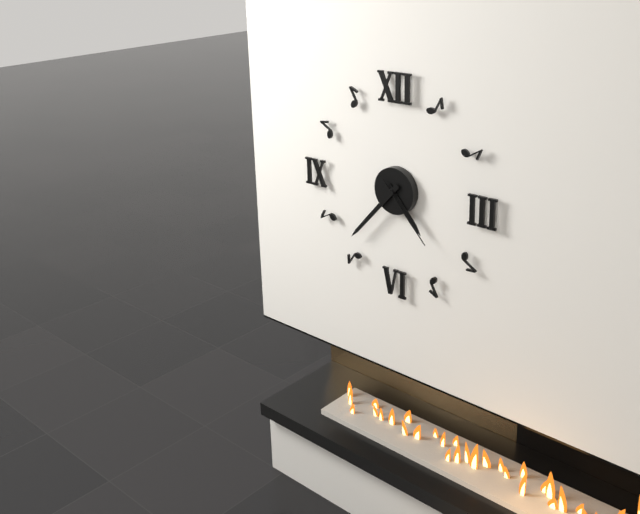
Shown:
**4:37:23**
